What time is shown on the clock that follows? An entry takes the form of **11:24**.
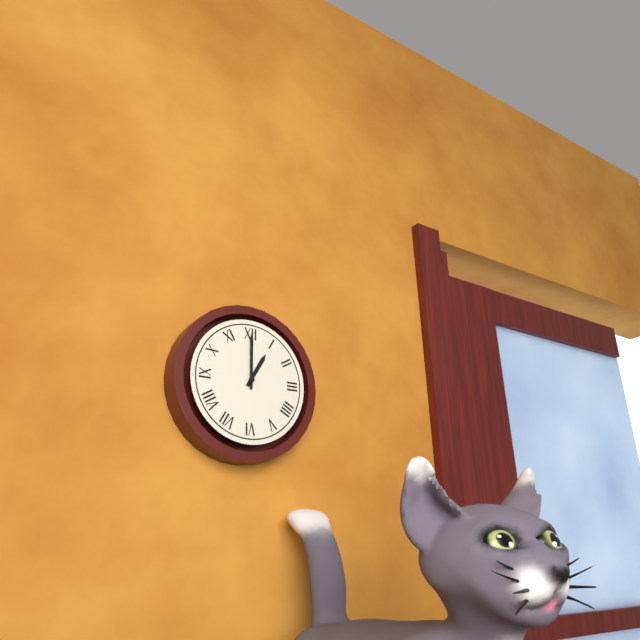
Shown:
**1:00**
